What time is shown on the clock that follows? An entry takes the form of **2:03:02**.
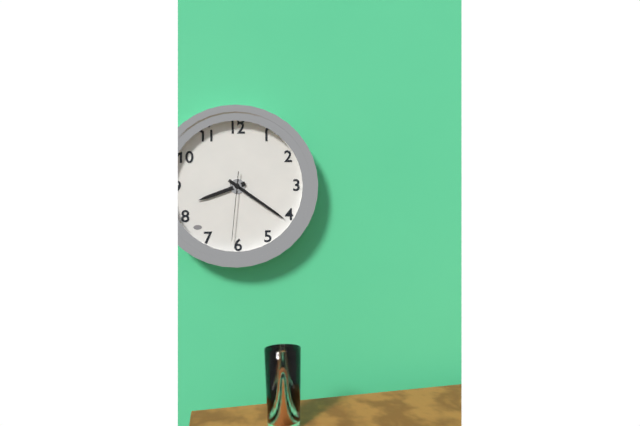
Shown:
**8:21:31**
